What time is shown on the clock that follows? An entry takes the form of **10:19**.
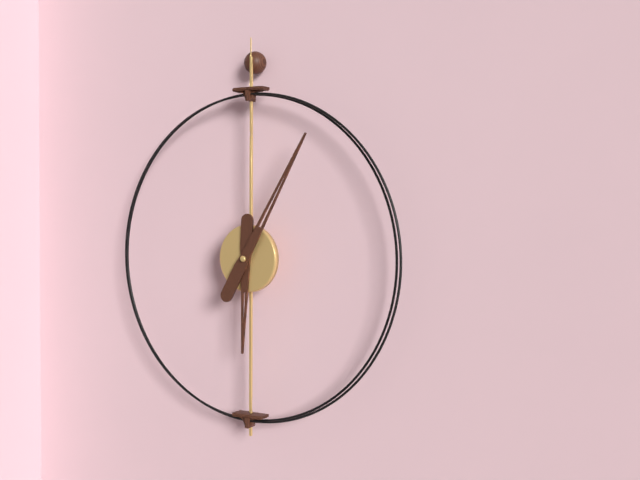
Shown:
**6:05**
